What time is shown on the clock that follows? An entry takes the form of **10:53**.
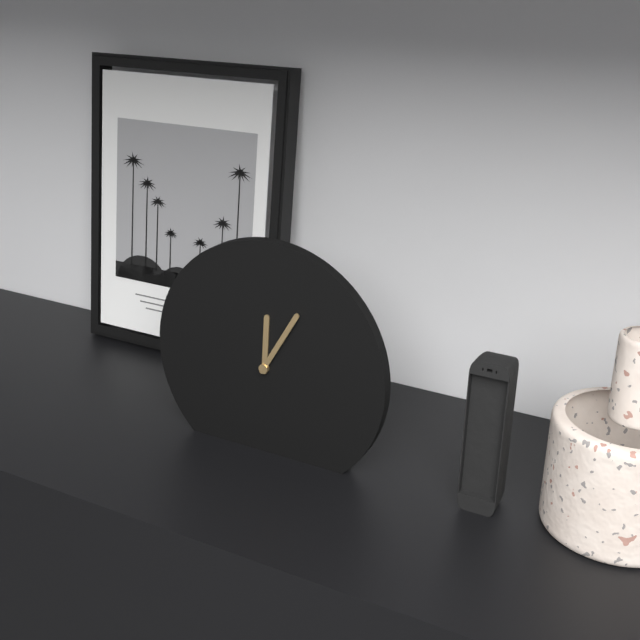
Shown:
**12:05**
